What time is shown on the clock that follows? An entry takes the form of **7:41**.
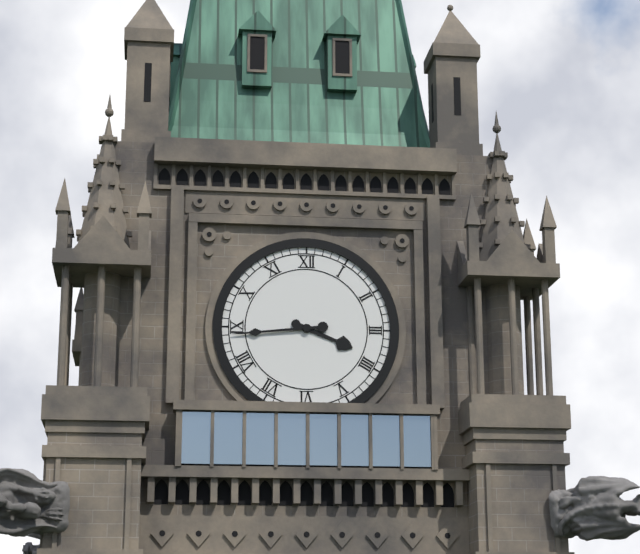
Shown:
**3:44**
